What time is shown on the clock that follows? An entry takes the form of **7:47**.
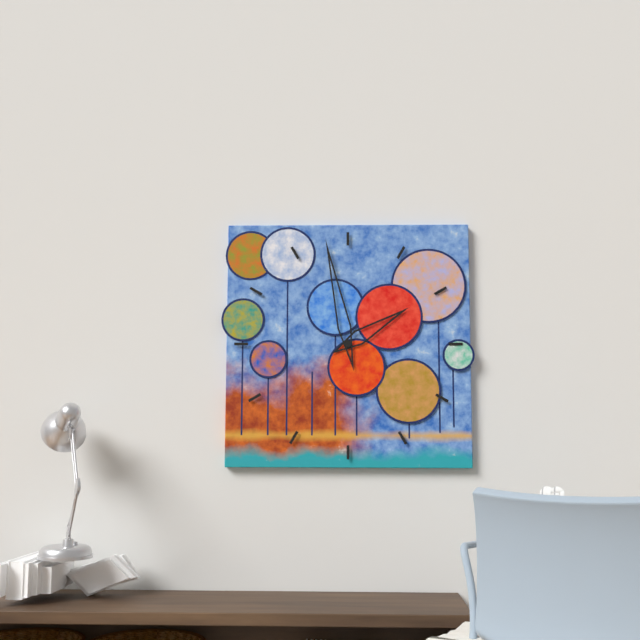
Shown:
**1:58**
